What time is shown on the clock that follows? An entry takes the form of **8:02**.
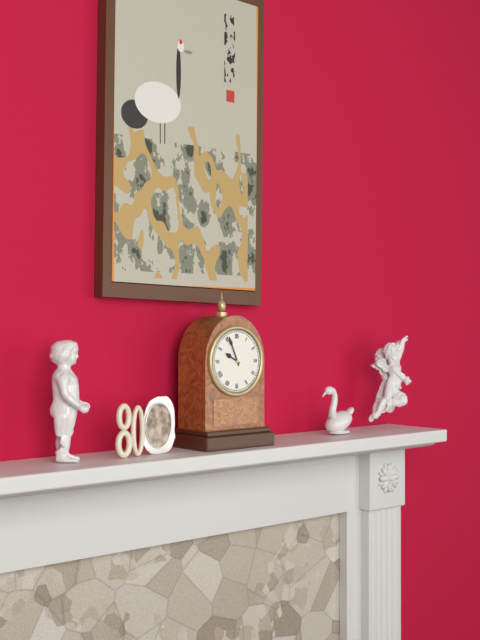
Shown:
**9:56**
